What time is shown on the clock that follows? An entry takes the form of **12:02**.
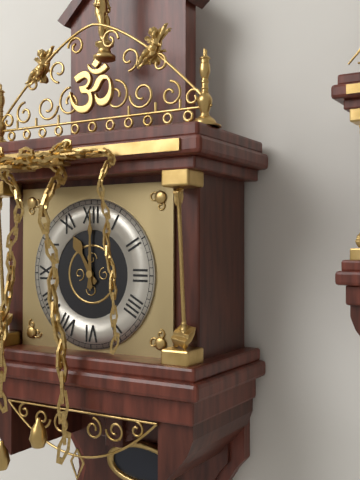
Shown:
**11:00**
